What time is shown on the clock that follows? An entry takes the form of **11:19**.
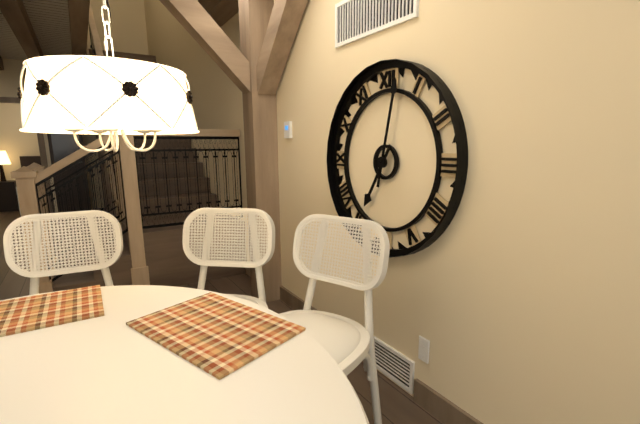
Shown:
**7:02**
